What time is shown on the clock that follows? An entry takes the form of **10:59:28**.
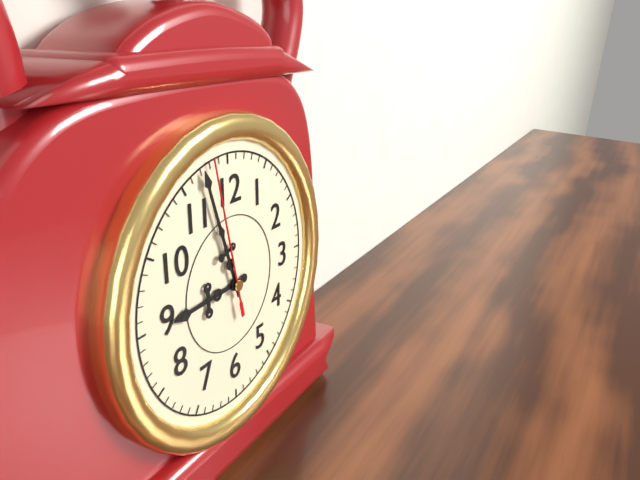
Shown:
**8:57:58**
